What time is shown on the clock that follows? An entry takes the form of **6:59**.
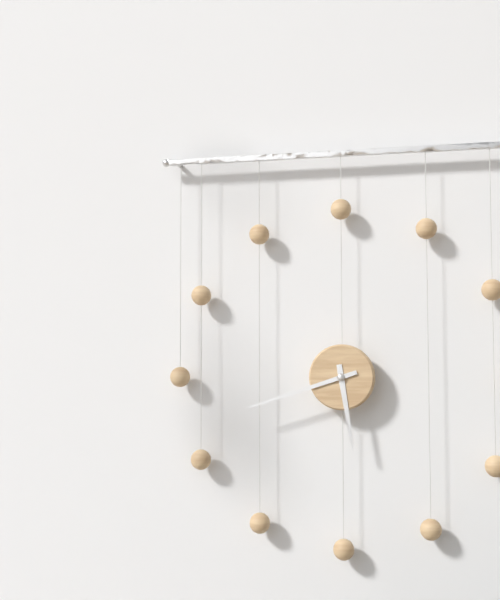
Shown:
**5:42**
